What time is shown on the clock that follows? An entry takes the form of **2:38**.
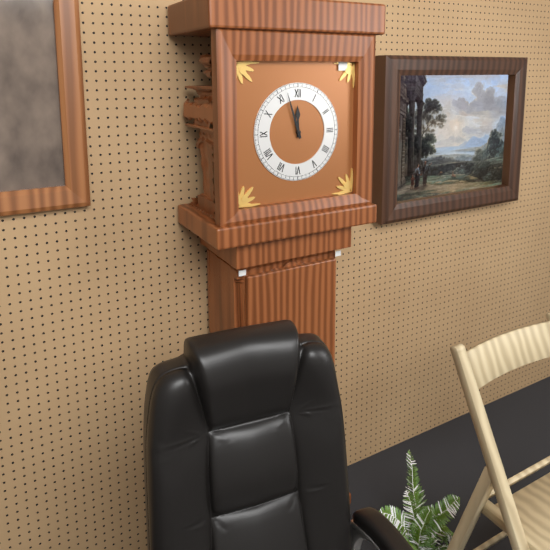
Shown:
**11:57**
